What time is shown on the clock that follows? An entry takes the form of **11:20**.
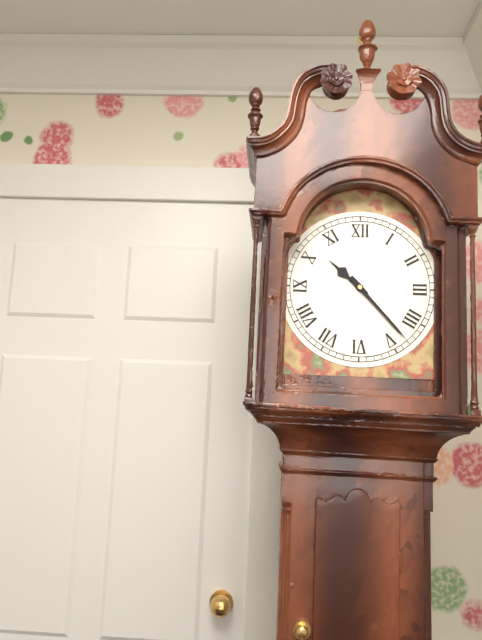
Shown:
**10:23**
